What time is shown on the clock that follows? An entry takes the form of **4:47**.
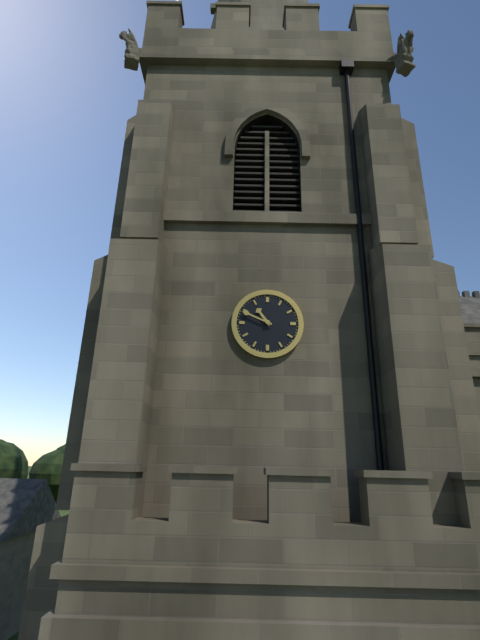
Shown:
**10:49**
